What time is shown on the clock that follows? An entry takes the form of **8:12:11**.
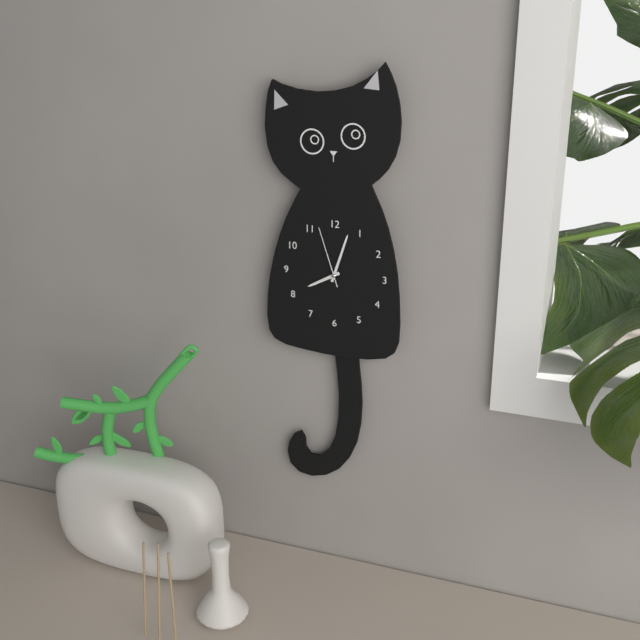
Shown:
**8:03:57**
